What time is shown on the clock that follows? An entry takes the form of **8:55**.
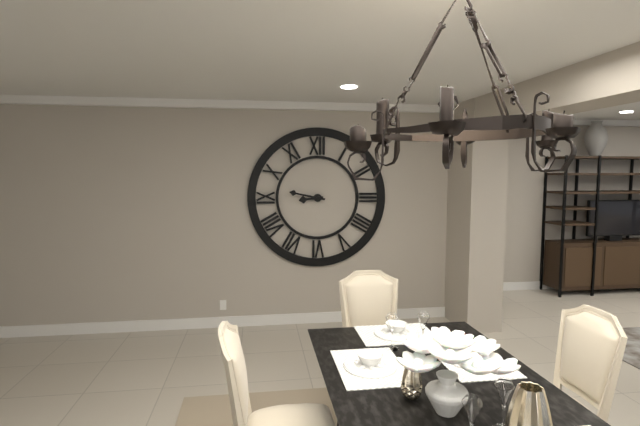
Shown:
**8:47**
